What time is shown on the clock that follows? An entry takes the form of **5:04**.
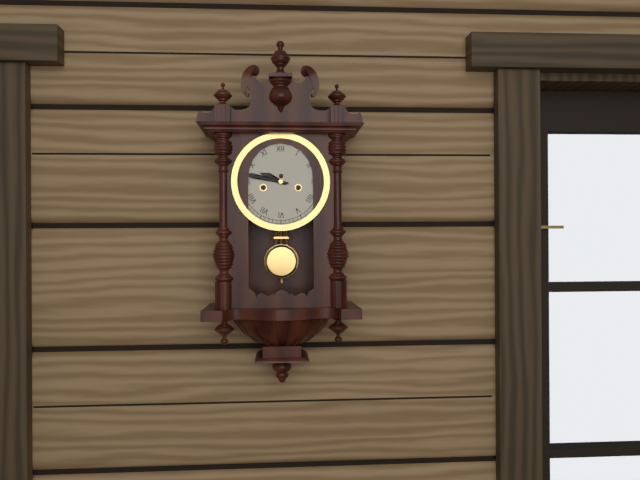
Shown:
**9:47**
